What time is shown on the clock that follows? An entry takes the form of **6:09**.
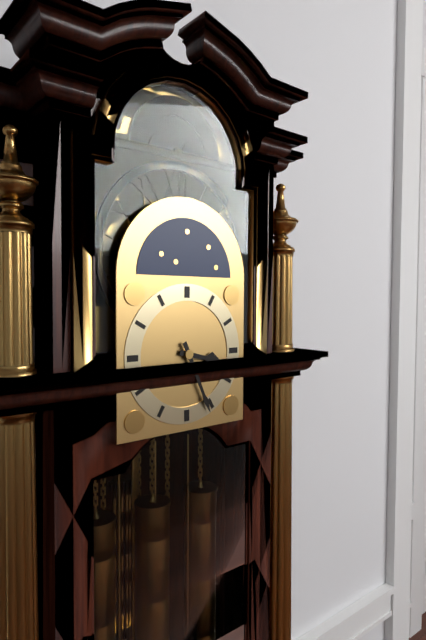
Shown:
**3:26**
